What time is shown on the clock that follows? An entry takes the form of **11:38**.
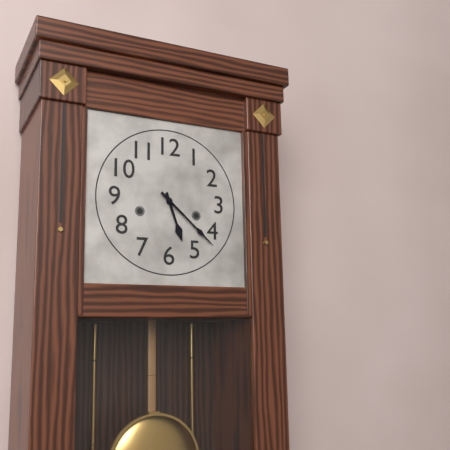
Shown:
**5:22**
